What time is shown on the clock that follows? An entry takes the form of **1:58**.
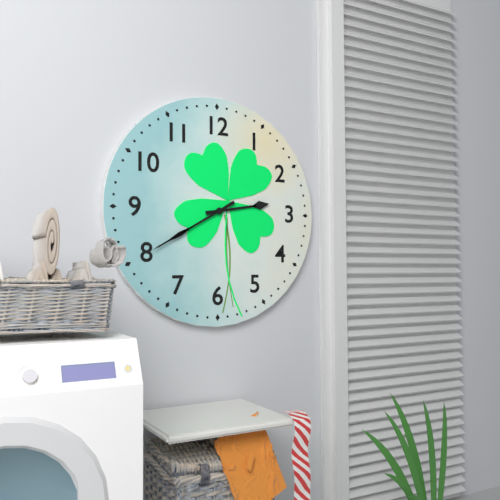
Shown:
**2:40**
